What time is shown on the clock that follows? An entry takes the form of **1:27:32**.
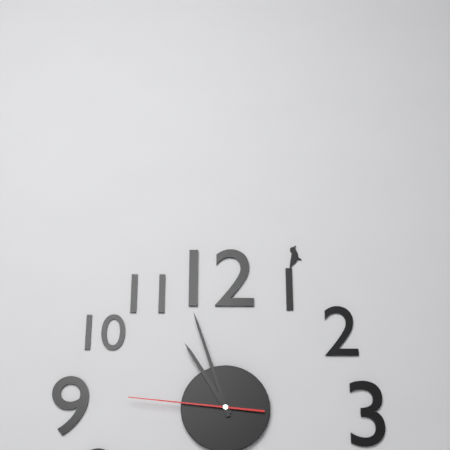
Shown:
**10:57:46**
